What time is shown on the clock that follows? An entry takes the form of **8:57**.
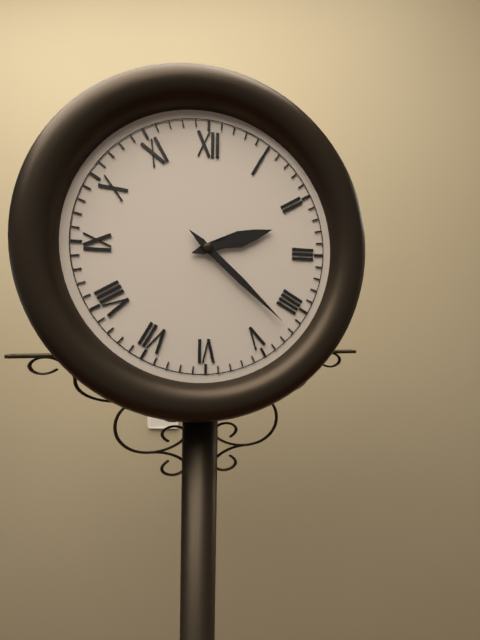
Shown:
**2:22**
